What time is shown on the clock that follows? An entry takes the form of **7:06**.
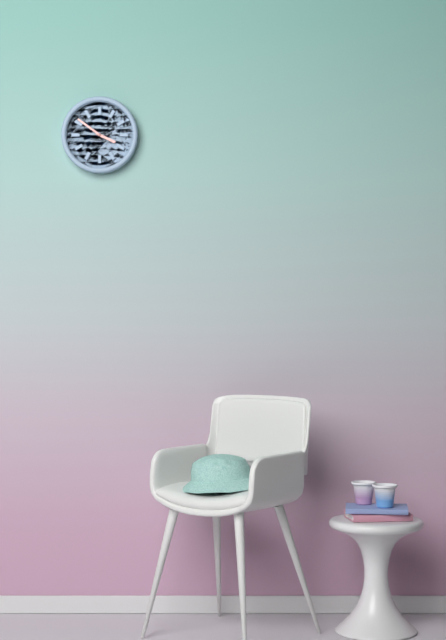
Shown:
**3:51**
